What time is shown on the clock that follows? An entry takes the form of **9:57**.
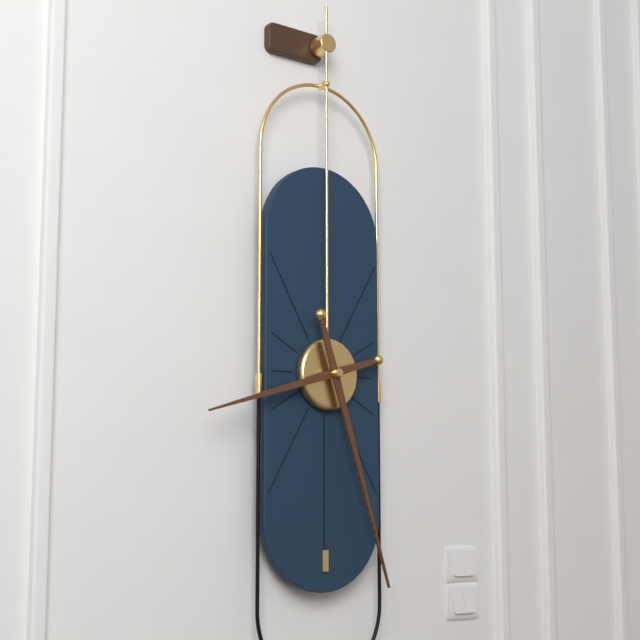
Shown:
**8:27**
